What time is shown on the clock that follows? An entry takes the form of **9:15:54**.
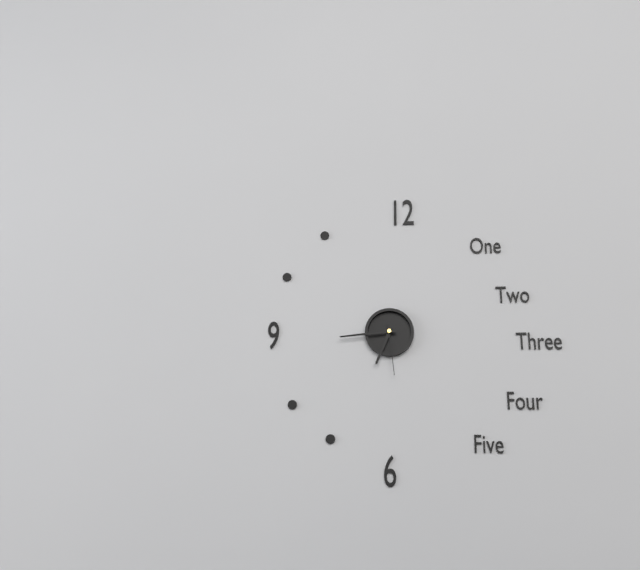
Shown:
**6:44:29**
